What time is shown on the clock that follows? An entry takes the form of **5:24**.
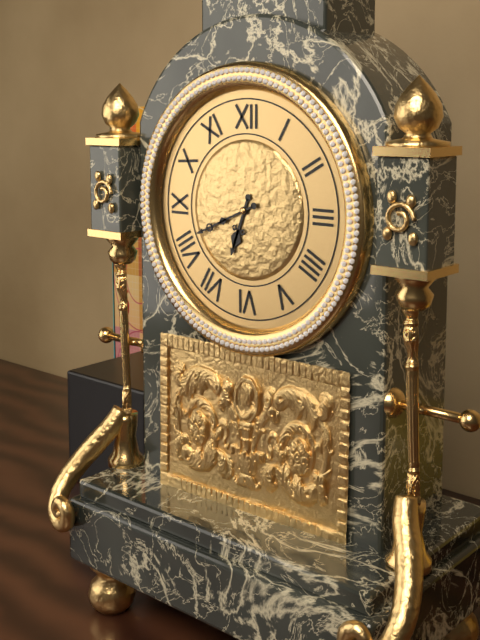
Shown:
**6:41**
